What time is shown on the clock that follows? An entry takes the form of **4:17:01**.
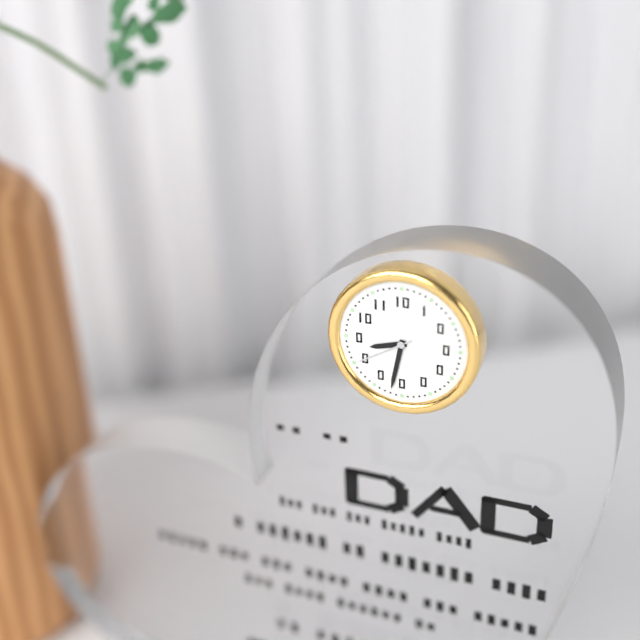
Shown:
**8:32:40**
